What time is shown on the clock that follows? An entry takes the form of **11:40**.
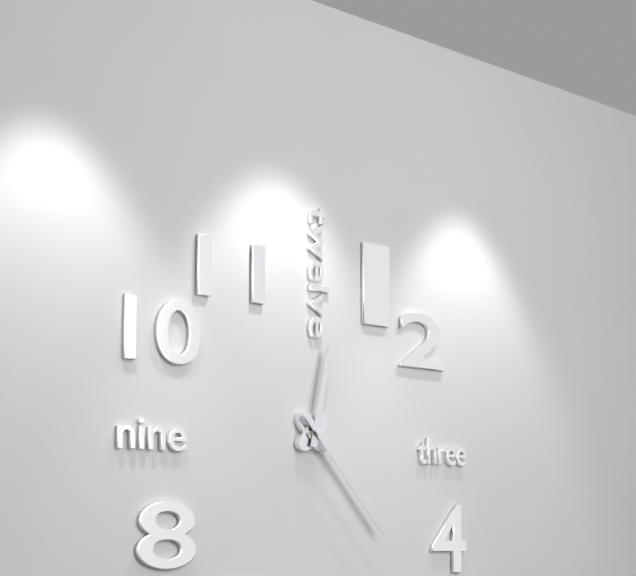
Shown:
**12:23**
